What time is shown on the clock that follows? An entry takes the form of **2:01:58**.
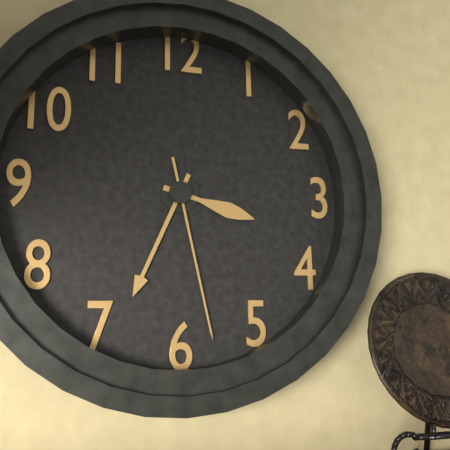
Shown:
**3:34:28**
